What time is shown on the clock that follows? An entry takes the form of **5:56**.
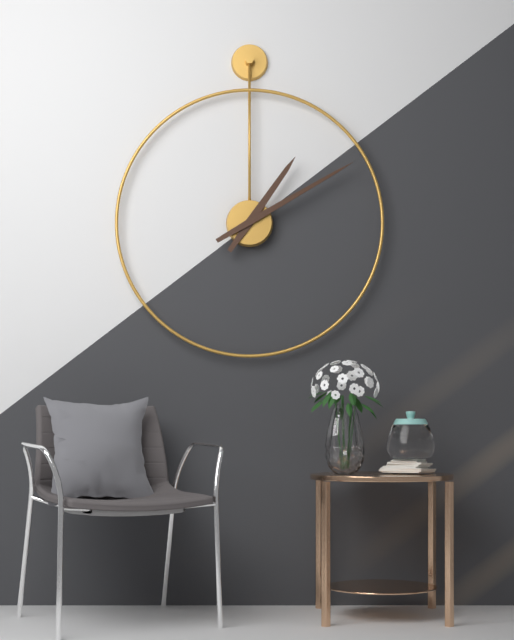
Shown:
**1:10**
